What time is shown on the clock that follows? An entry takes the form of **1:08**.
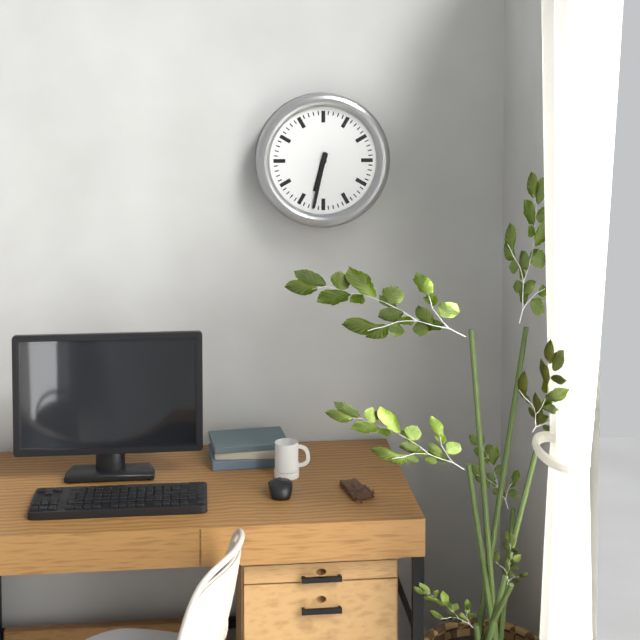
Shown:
**6:32**
